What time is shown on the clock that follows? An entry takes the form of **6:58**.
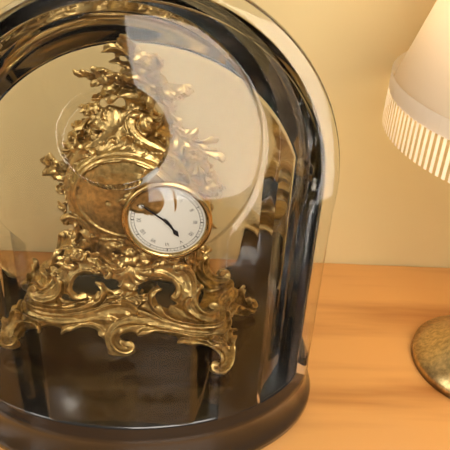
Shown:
**4:51**
